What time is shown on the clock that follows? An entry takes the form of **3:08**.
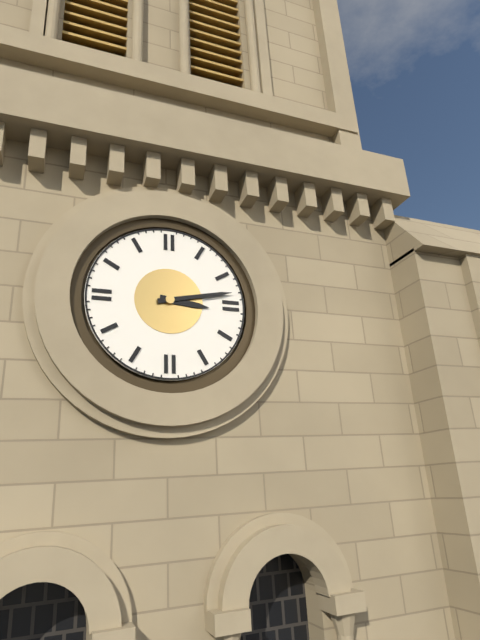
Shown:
**3:13**
